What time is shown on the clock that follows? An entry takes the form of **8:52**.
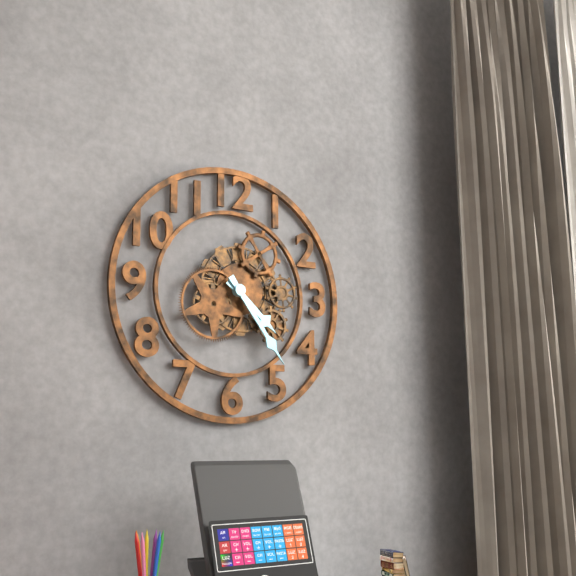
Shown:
**4:24**
